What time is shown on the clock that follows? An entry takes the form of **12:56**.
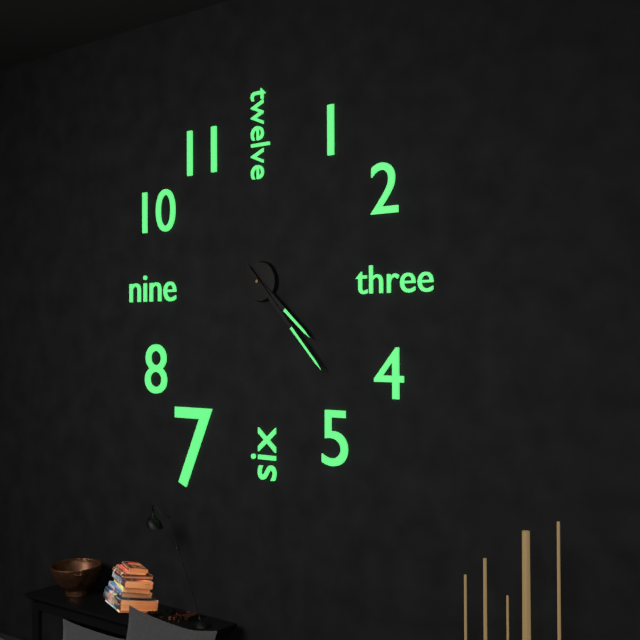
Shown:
**4:23**
